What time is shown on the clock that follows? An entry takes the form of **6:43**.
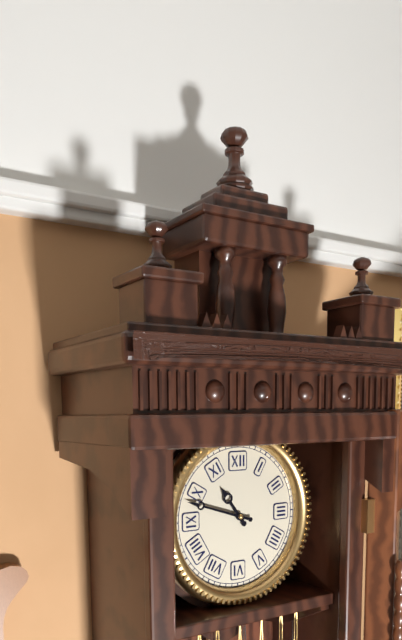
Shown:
**10:48**
